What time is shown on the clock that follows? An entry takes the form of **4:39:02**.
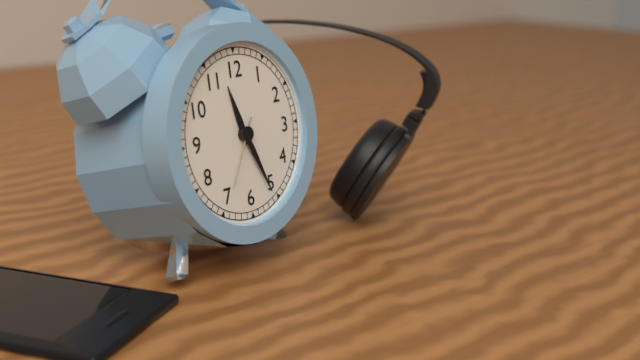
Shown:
**11:26:35**
